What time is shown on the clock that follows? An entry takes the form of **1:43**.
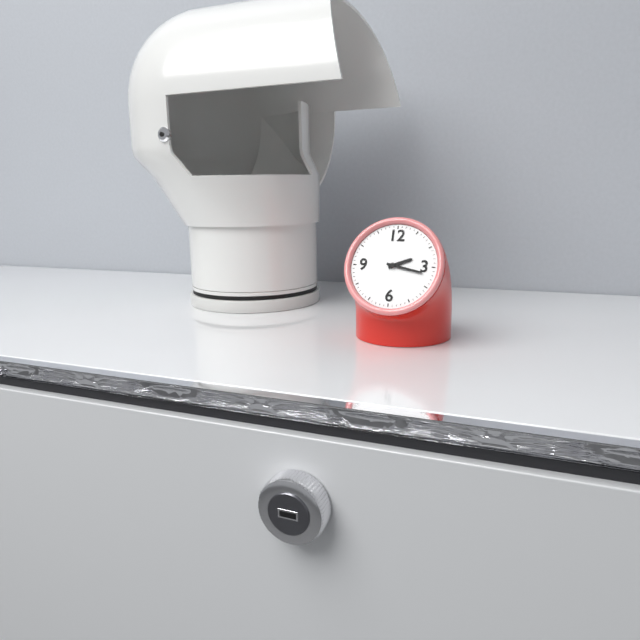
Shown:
**2:17**
